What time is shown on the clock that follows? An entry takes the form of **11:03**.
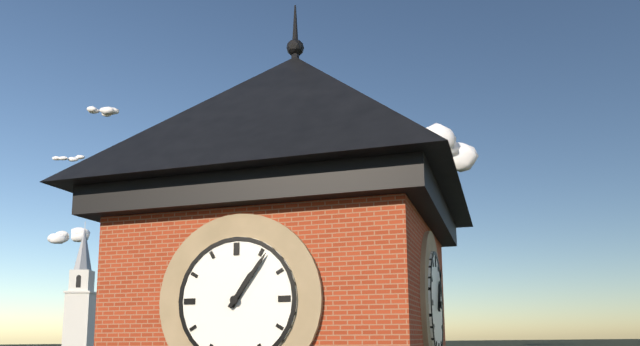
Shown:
**1:06**
